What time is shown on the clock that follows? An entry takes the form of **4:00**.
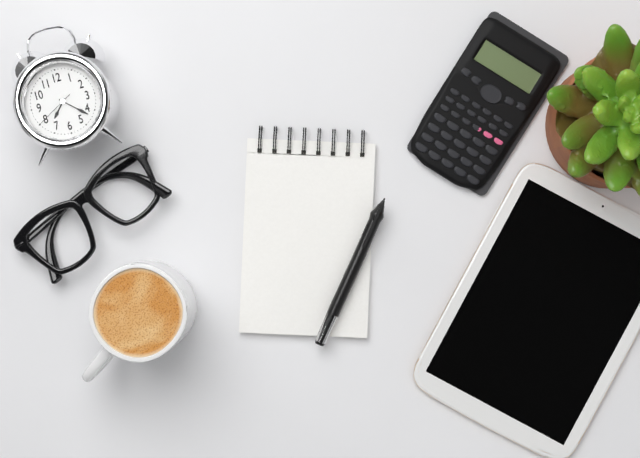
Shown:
**7:22**
